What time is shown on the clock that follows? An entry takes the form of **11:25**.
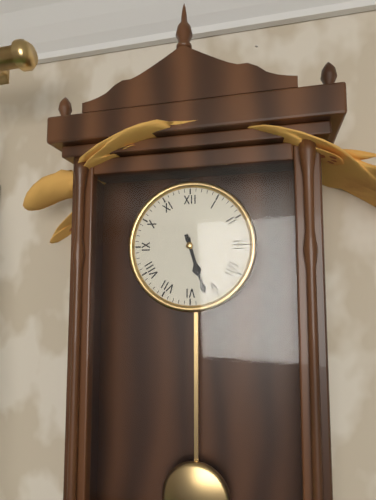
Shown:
**5:27**
